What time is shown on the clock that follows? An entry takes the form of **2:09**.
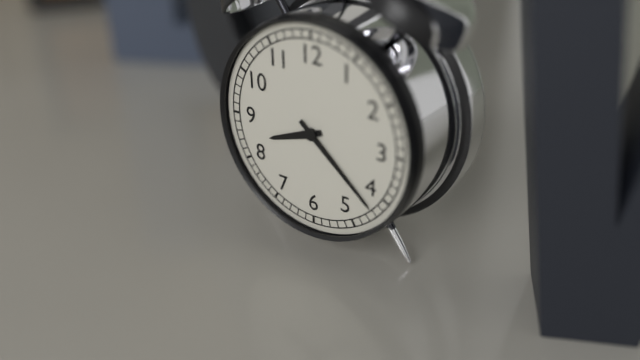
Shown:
**8:22**
